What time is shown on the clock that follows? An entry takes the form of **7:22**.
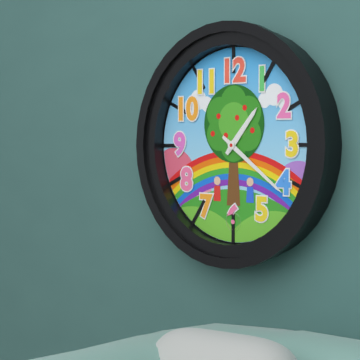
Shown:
**1:21**
